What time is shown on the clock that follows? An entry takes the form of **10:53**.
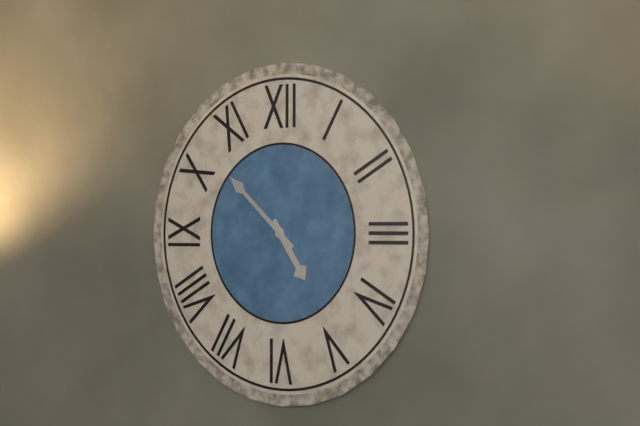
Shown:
**4:52**
